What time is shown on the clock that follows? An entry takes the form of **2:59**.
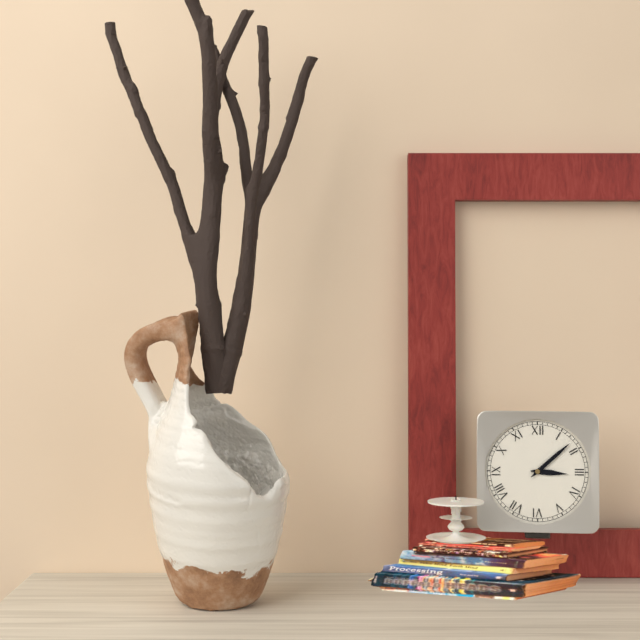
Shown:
**3:08**
